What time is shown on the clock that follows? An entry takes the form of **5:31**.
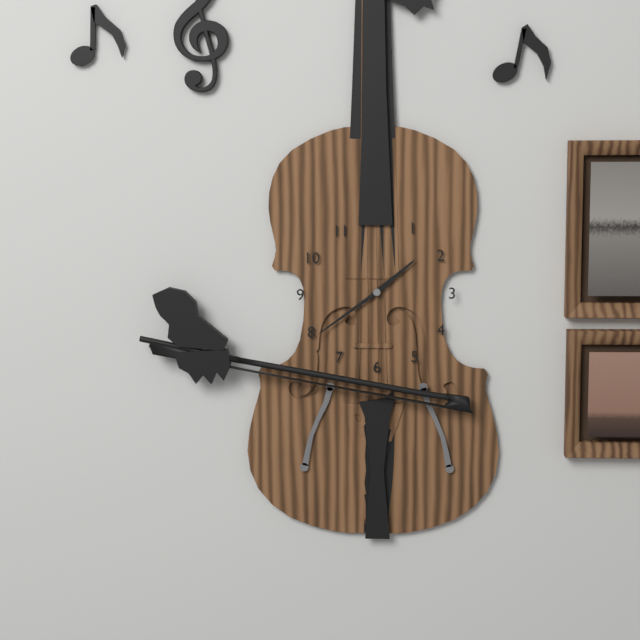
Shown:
**1:39**
